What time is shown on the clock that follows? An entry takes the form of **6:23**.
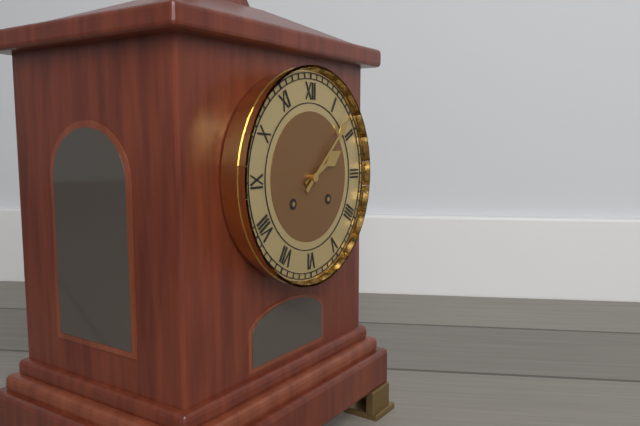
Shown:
**2:08**
